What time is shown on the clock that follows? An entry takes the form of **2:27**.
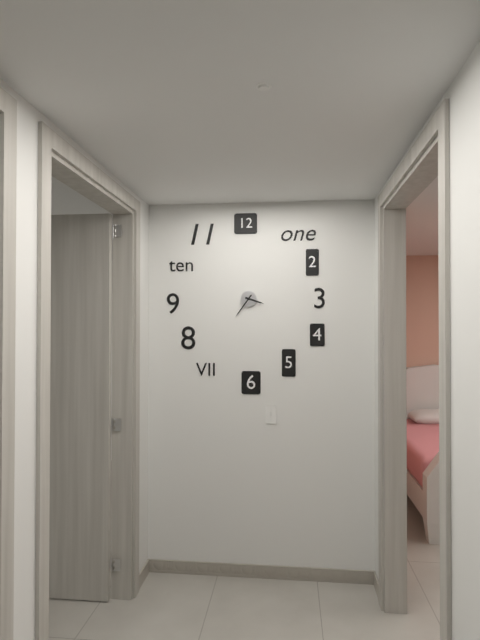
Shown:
**3:36**
